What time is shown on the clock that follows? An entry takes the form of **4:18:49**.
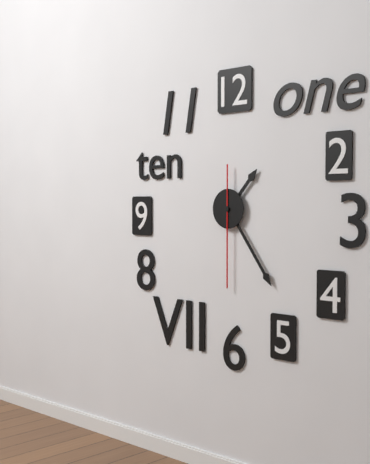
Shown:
**1:24:30**
